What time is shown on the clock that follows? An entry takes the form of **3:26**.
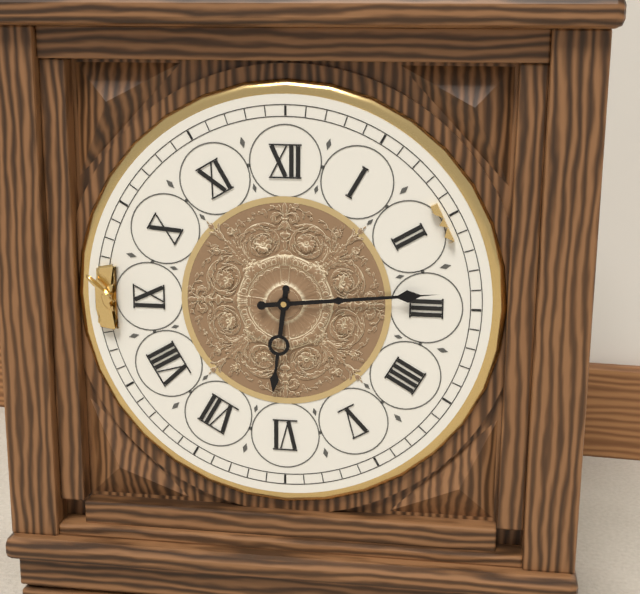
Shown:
**6:14**
